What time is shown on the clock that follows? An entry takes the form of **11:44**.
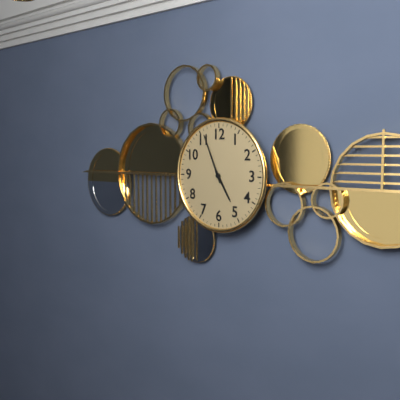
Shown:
**4:56**
